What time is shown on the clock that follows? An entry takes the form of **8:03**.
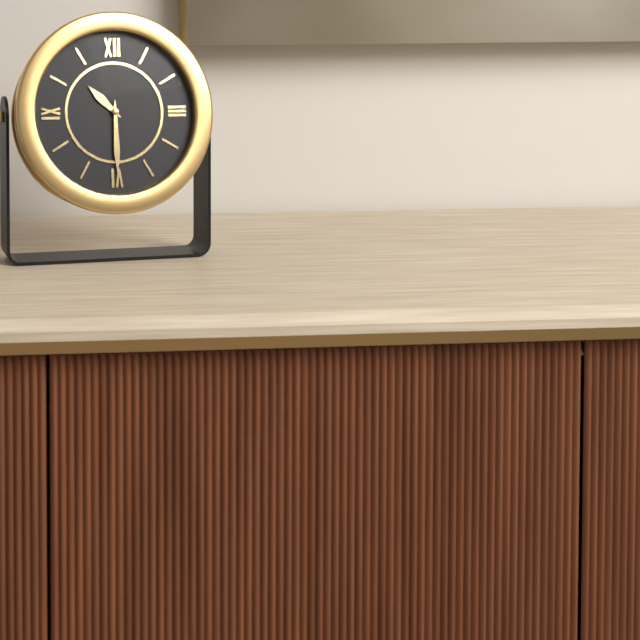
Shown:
**10:30**
